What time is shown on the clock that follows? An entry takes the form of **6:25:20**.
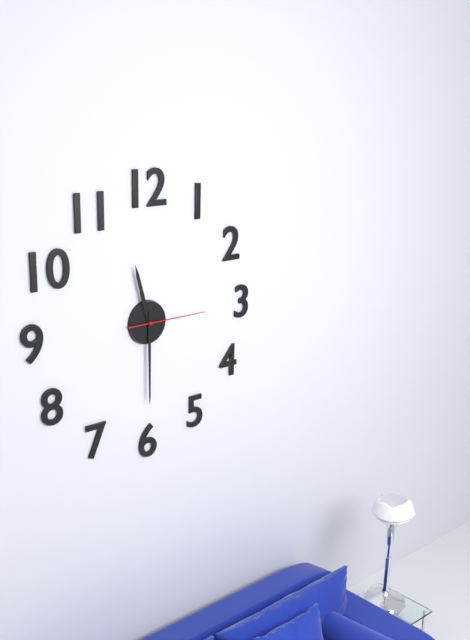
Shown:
**11:30:15**
